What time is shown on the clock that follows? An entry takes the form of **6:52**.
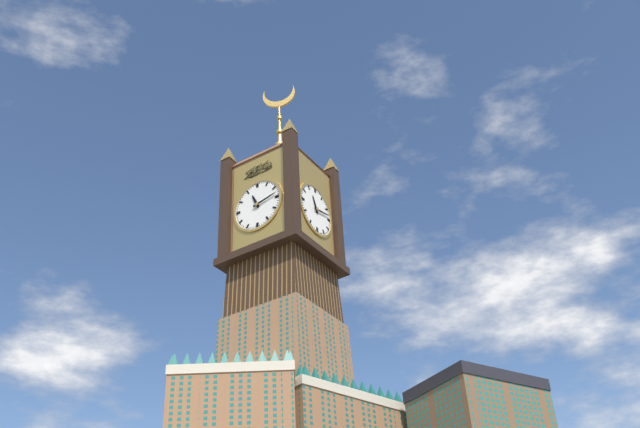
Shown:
**11:13**
